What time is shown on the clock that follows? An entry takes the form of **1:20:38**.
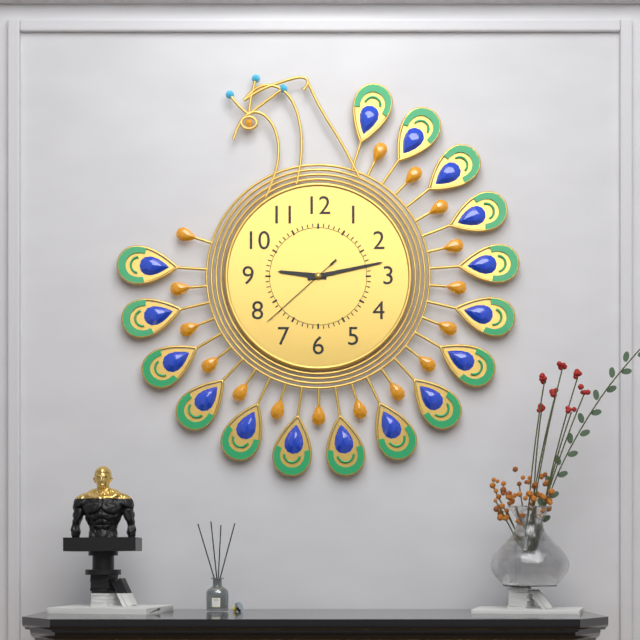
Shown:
**9:13:38**
